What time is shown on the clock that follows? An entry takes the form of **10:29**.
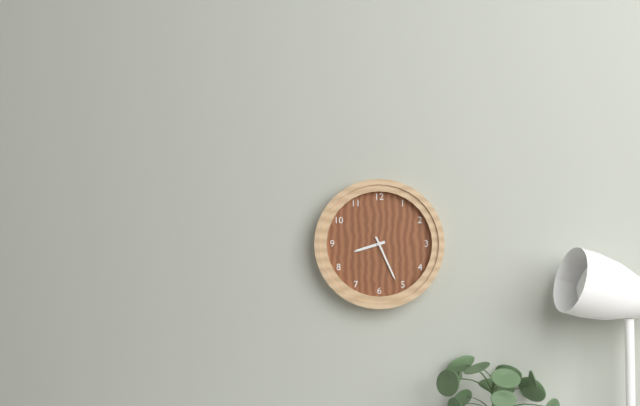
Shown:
**8:26**
